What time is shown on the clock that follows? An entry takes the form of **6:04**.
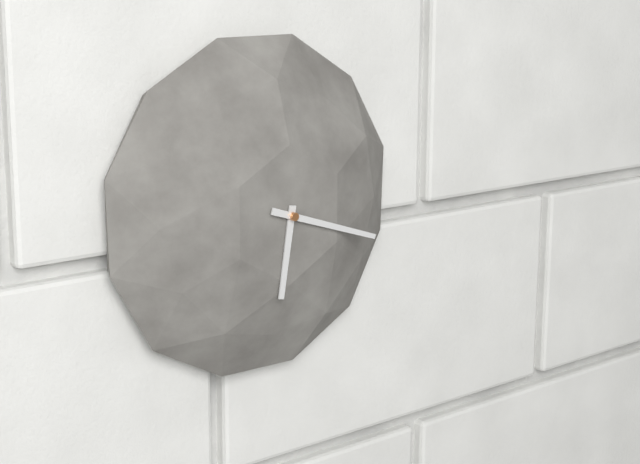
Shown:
**6:18**
